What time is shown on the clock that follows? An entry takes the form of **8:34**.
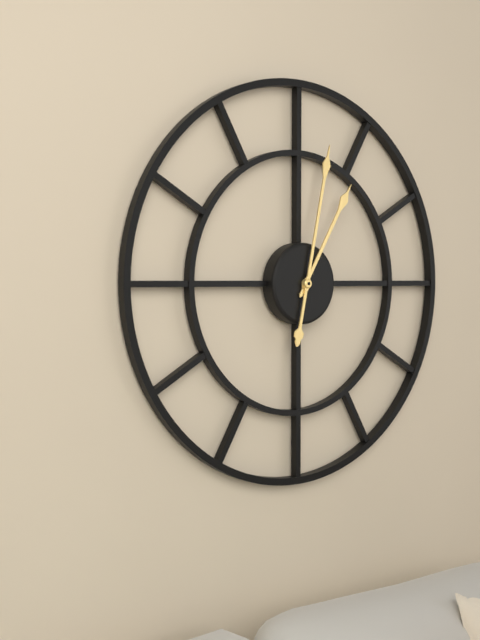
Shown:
**1:02**
